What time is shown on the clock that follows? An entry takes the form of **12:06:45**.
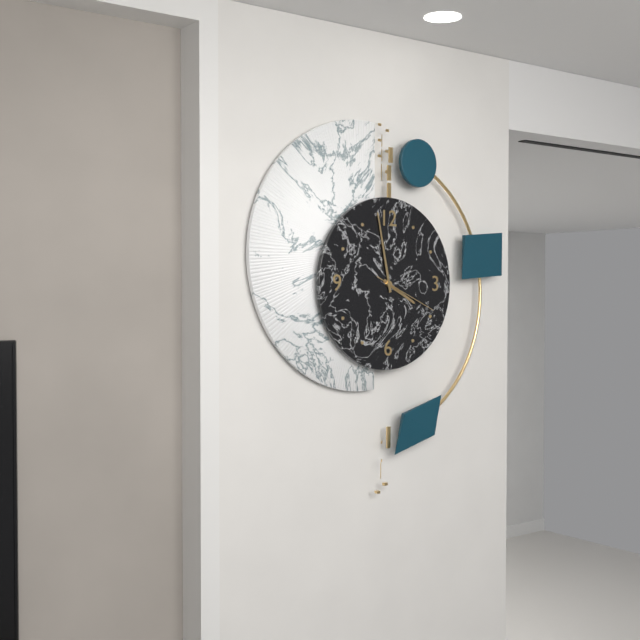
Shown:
**3:58:19**
